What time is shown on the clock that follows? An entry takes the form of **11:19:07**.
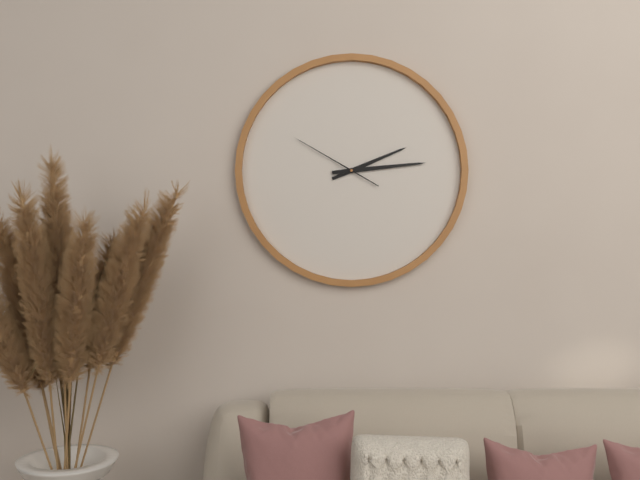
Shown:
**2:14:50**
